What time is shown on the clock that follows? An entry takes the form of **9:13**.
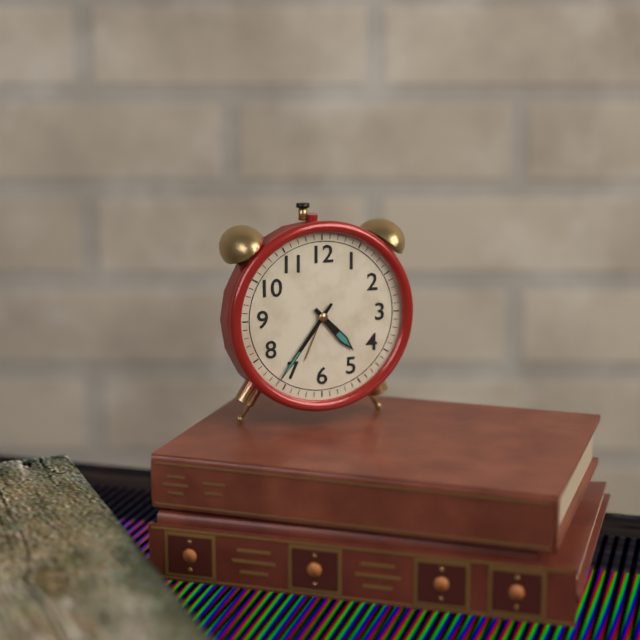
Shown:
**4:36**
